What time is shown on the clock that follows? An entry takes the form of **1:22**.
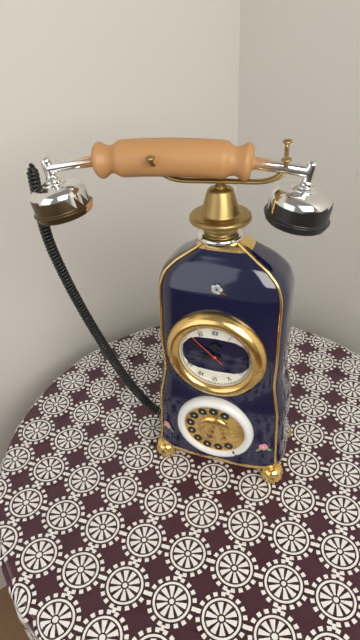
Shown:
**8:50**
